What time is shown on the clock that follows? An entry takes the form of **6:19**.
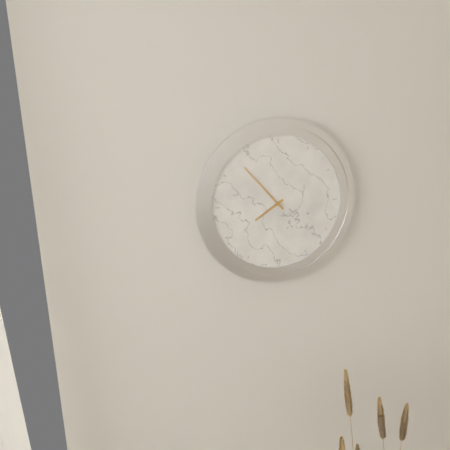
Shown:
**7:53**
